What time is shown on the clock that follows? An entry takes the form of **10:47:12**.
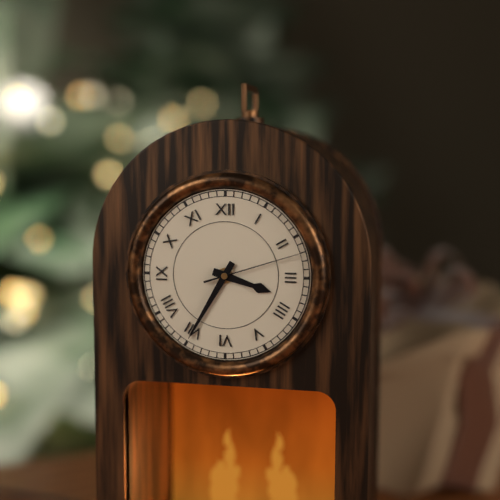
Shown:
**3:35:12**
